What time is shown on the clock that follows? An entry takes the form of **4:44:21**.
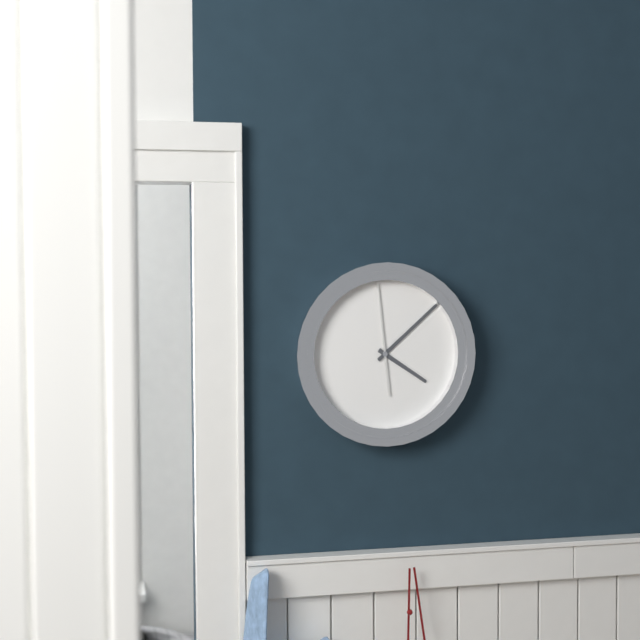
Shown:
**4:08:59**
